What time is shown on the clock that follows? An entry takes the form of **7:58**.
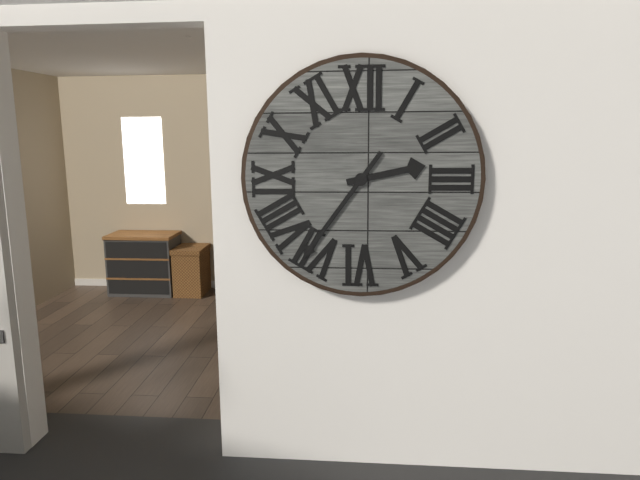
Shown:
**2:36**
